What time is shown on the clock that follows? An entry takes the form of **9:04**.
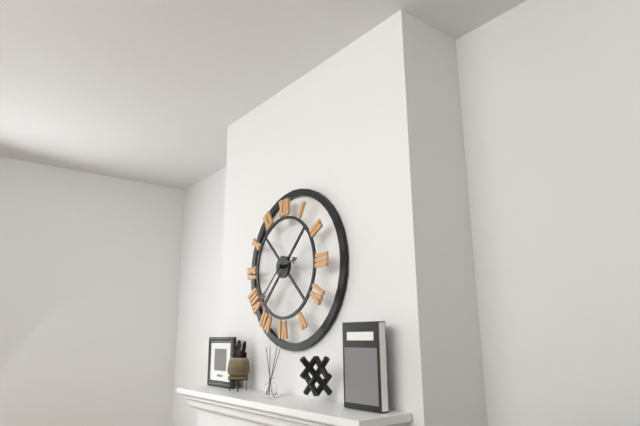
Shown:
**2:38**
